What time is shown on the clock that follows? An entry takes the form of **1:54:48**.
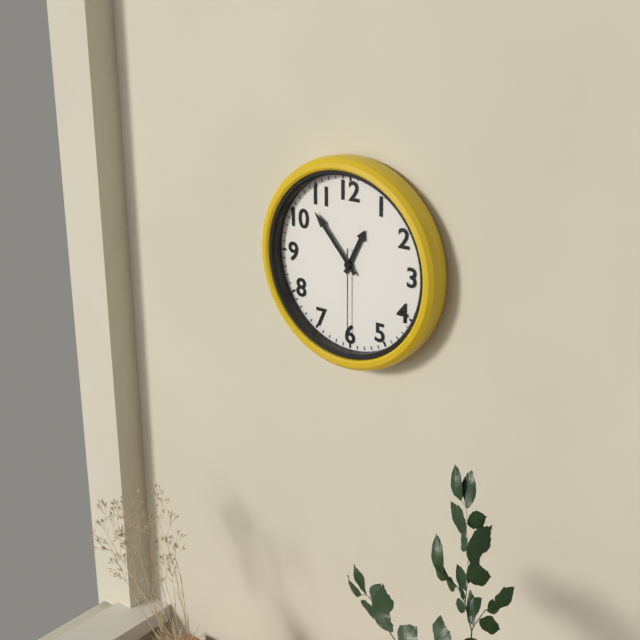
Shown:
**12:53:30**
